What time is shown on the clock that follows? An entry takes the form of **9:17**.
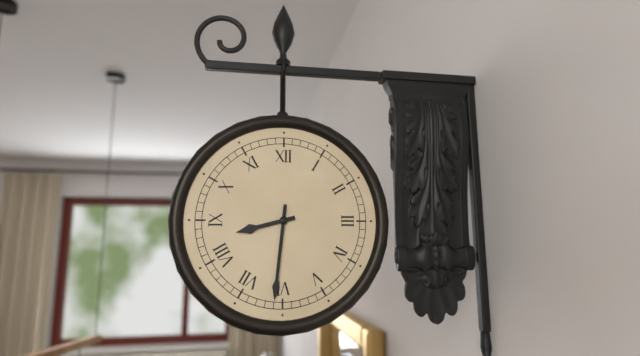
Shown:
**8:31**
